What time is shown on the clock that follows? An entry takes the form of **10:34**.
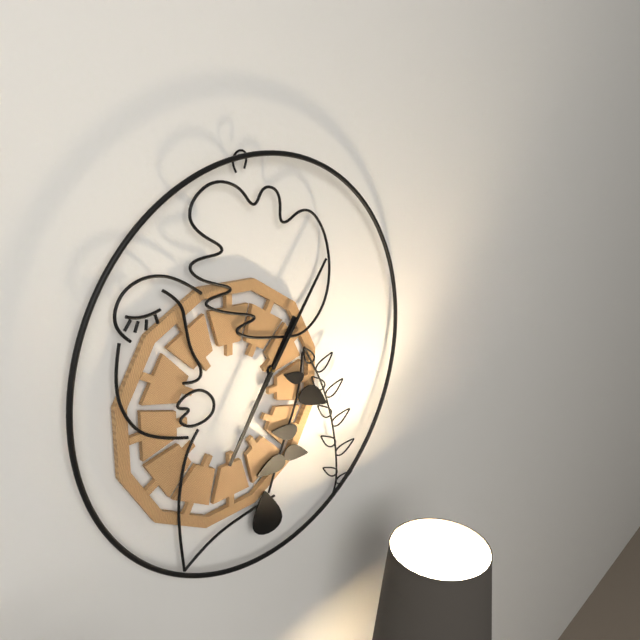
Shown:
**7:06**
